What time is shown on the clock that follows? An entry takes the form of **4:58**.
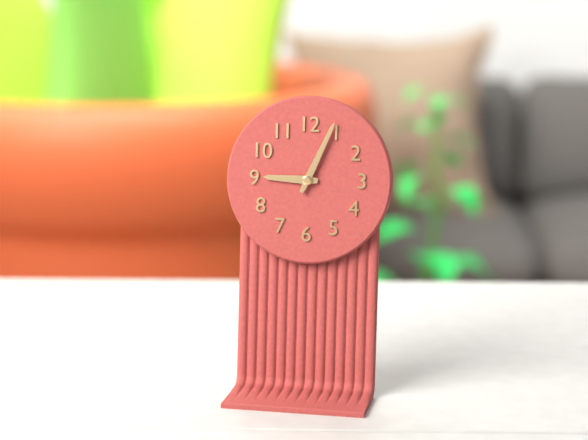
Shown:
**9:04**
